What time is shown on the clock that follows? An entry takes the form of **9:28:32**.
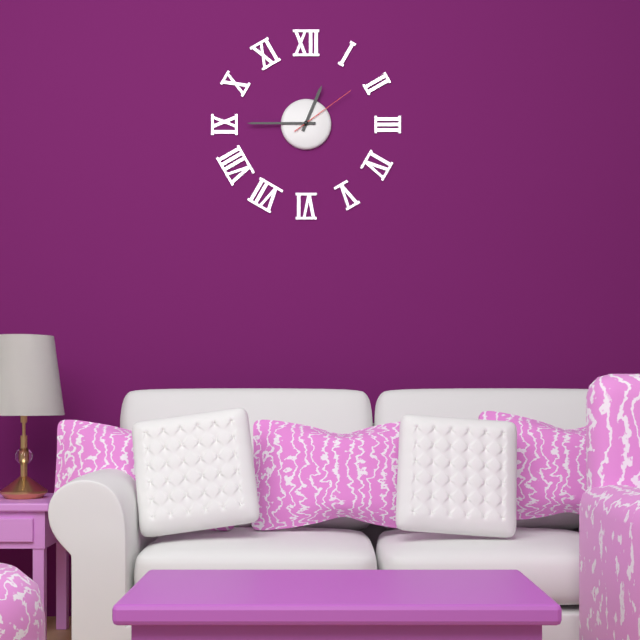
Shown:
**12:45:09**
